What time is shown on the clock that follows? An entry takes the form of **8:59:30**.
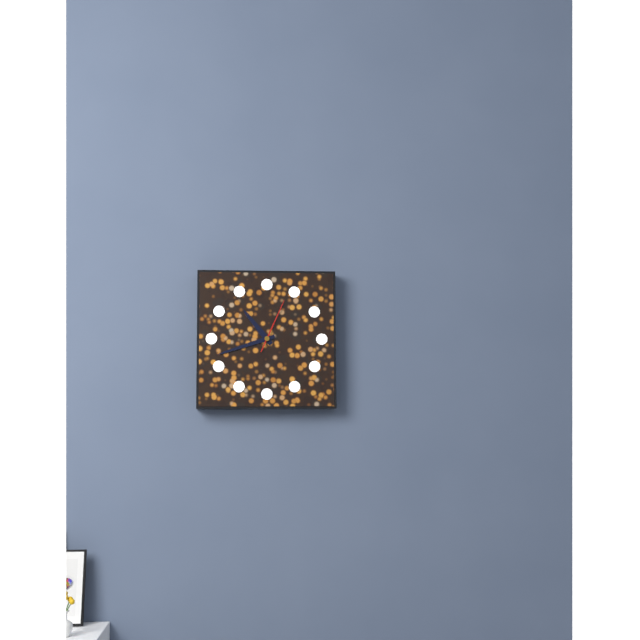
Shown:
**10:42:04**
